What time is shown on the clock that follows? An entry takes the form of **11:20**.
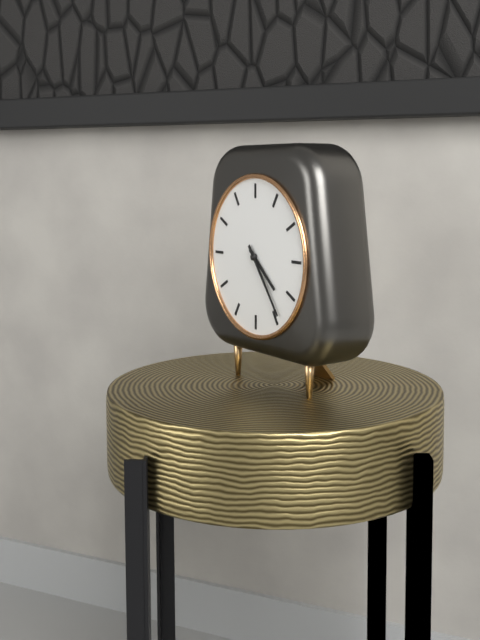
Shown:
**4:24**
